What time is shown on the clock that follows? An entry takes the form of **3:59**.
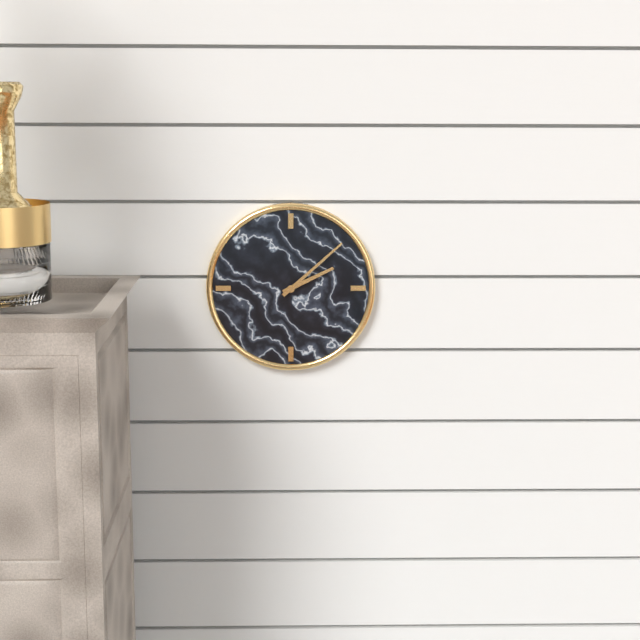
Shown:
**2:08**
